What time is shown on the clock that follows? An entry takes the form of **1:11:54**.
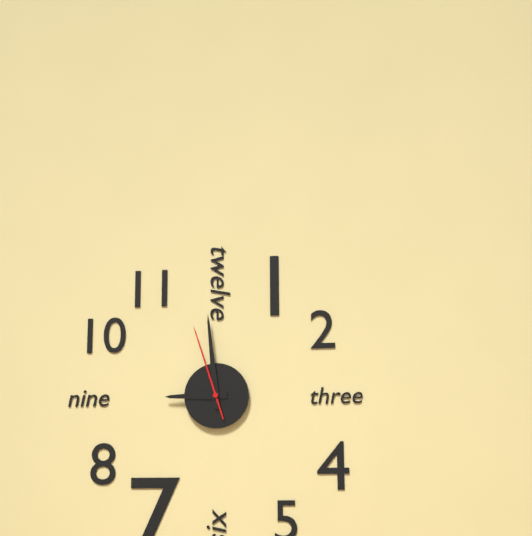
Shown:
**8:59:57**
